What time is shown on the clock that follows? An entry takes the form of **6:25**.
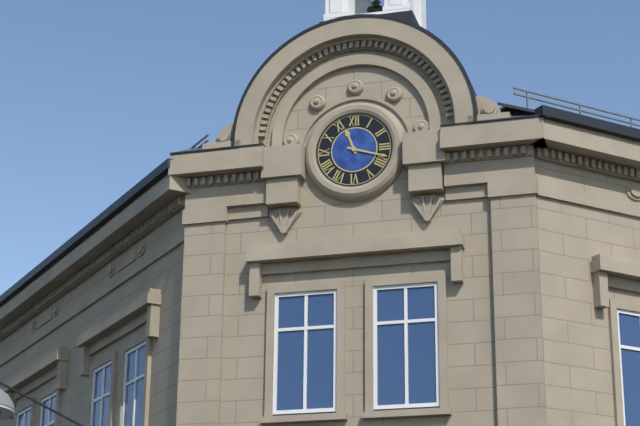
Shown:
**11:18**
